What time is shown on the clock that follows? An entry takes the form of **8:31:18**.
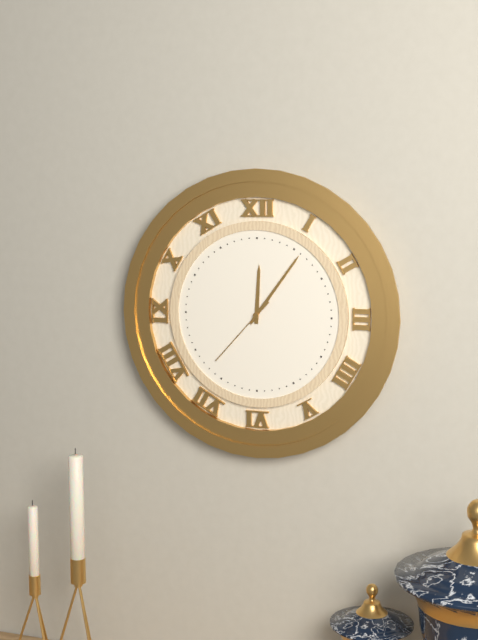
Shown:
**12:06:37**
